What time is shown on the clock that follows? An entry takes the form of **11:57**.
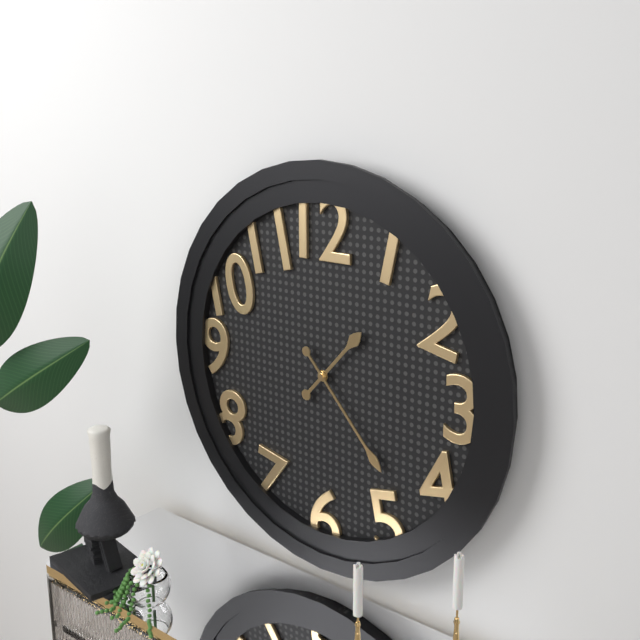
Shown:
**1:23**
